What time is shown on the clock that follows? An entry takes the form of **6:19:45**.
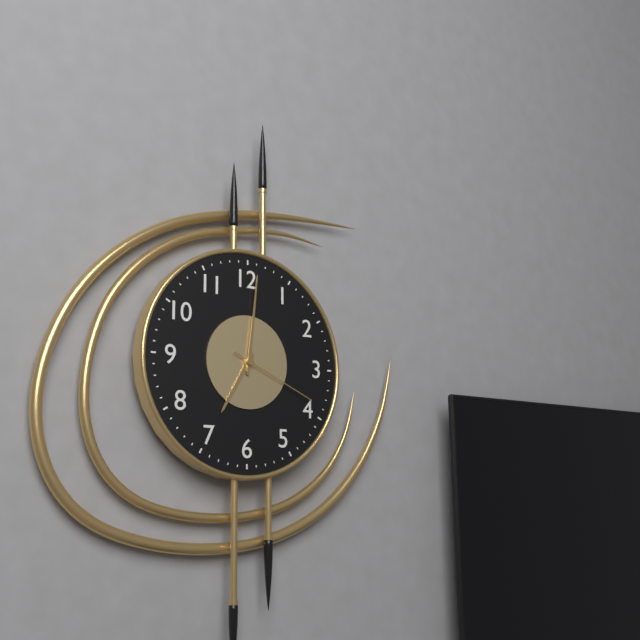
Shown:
**7:01:19**
